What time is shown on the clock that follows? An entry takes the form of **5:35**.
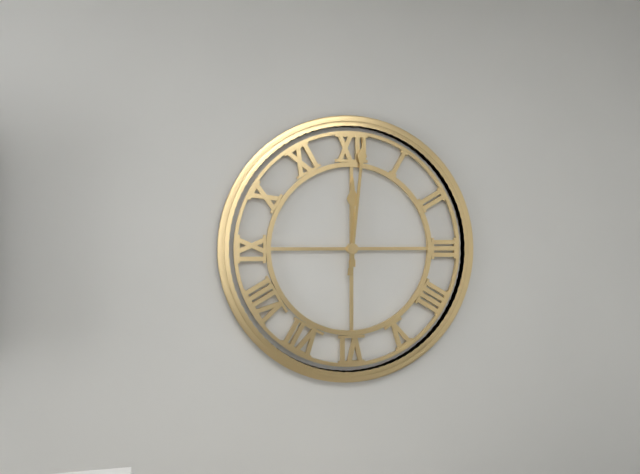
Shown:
**12:01**
